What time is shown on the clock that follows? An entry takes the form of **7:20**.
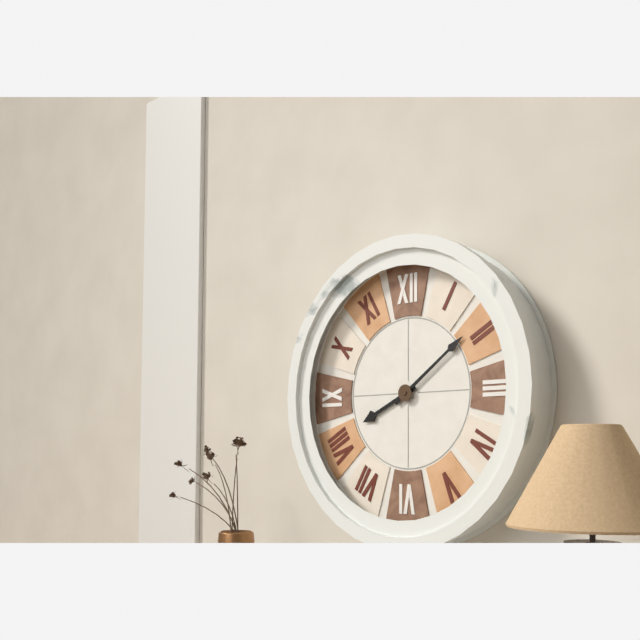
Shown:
**8:09**
